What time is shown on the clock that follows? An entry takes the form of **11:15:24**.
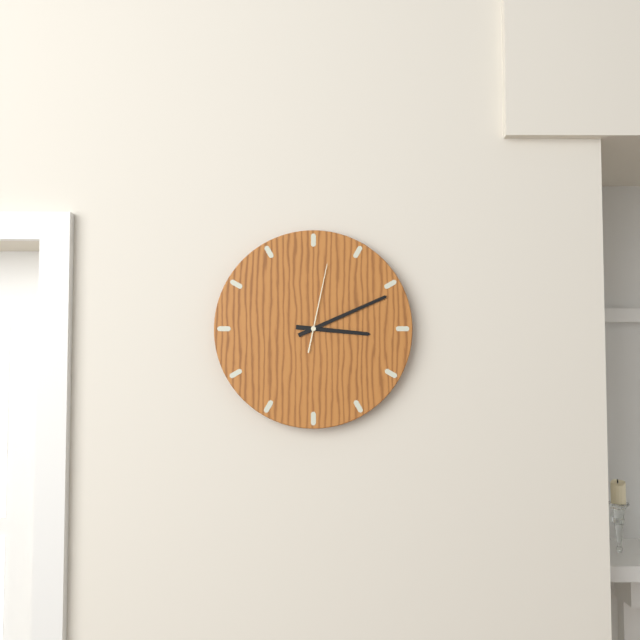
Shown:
**3:11:02**
